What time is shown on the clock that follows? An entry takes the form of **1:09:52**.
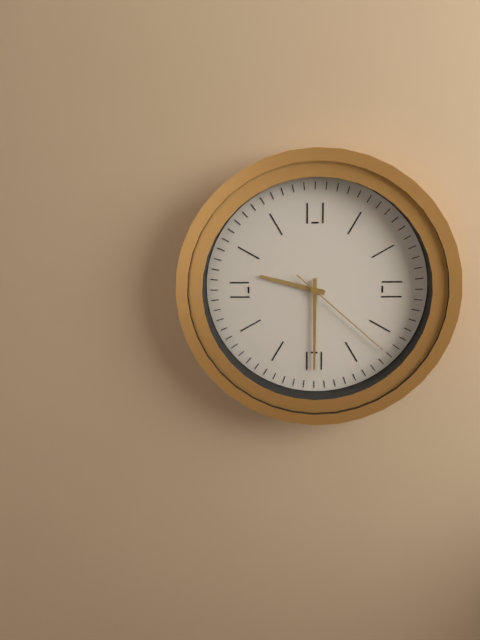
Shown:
**9:30:22**
